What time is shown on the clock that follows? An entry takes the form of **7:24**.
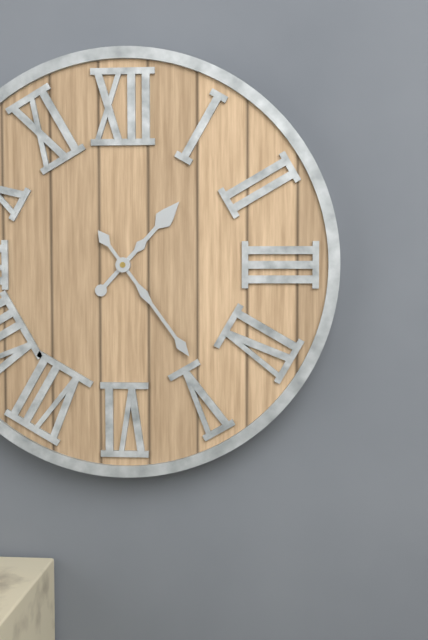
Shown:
**1:24**
